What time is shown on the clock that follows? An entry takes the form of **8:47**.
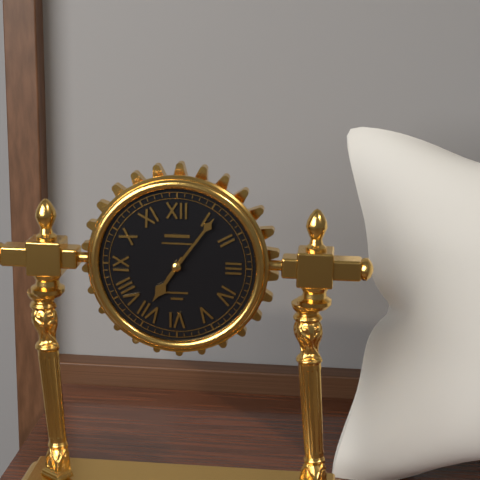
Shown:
**7:06**
